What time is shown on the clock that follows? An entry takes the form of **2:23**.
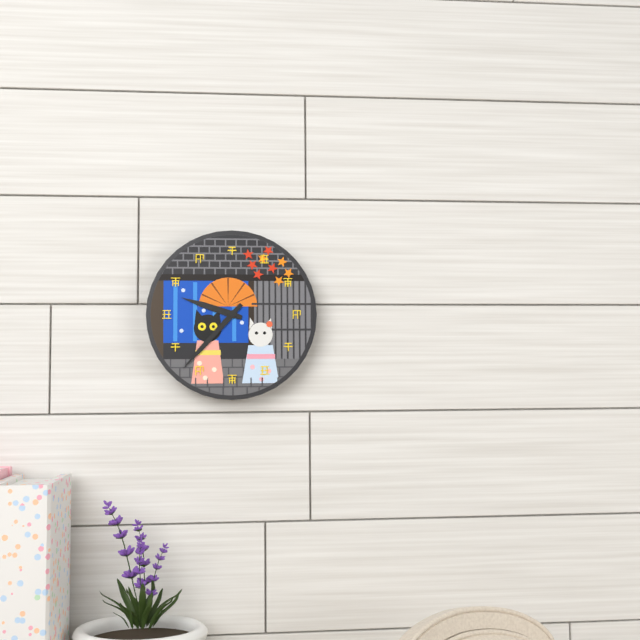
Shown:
**9:37**
